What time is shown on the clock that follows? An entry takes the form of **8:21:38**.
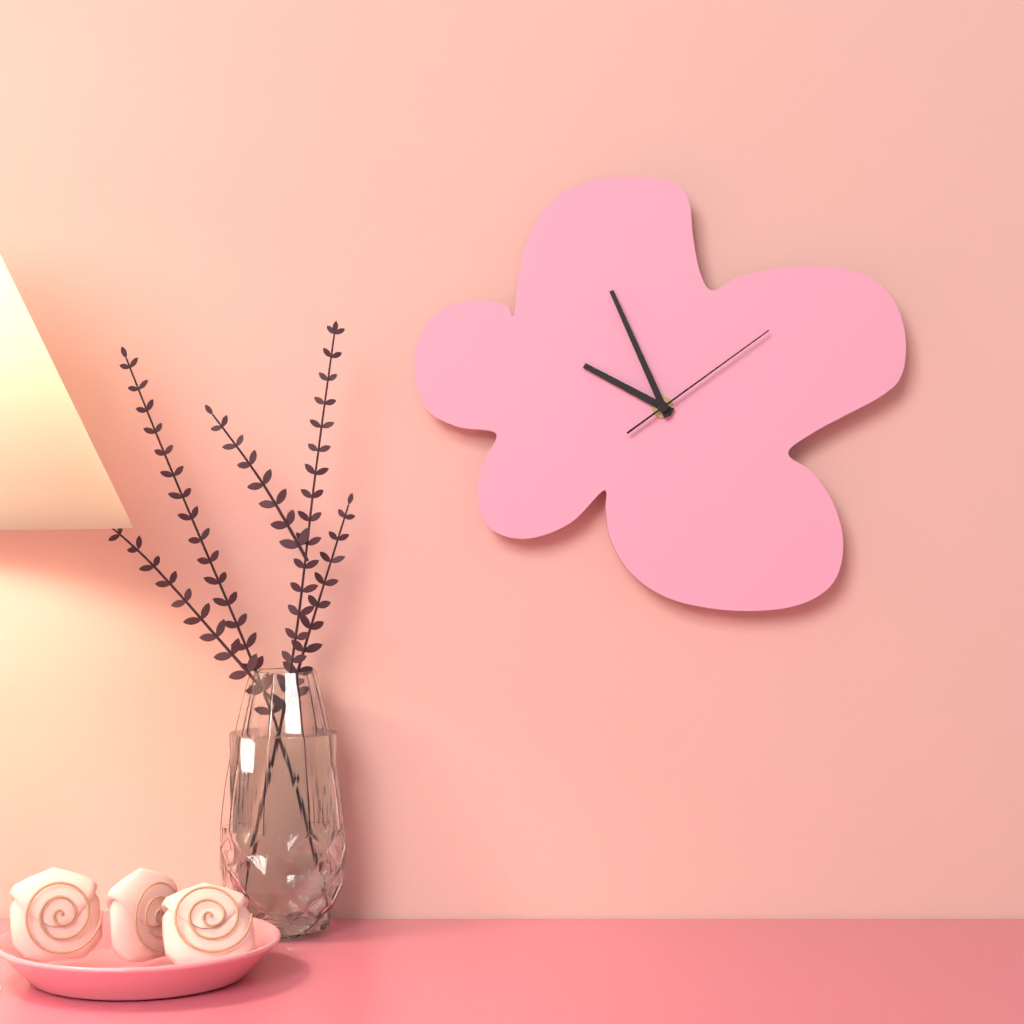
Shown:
**9:56:09**
